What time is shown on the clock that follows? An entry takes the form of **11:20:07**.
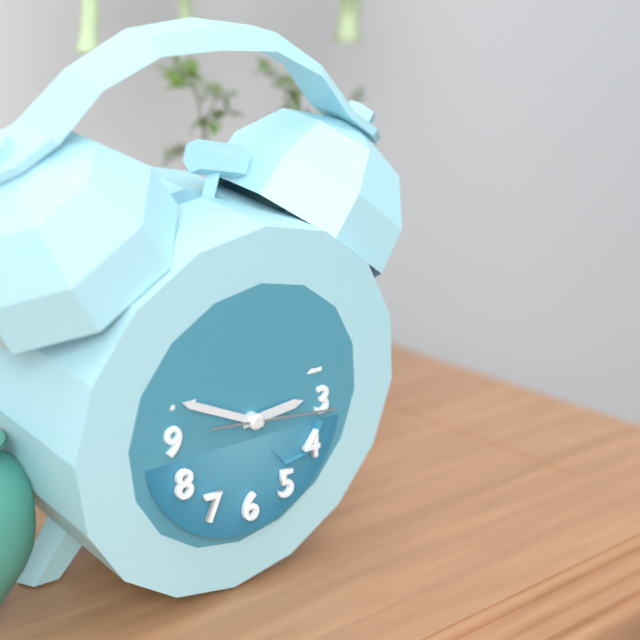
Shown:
**2:49:16**
